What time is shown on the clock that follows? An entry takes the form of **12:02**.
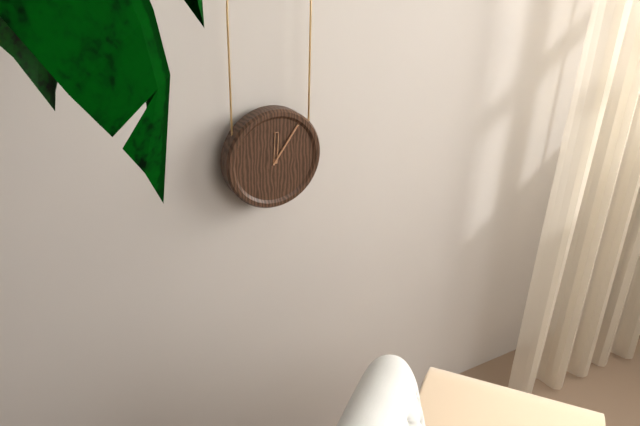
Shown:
**12:06**
